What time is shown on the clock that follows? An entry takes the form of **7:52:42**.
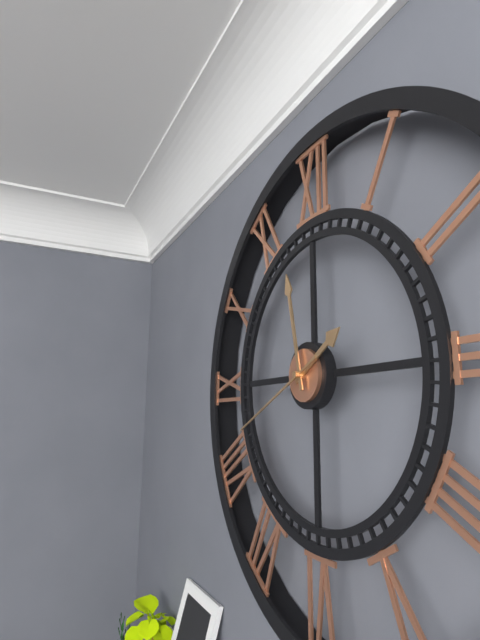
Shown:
**1:58:41**
